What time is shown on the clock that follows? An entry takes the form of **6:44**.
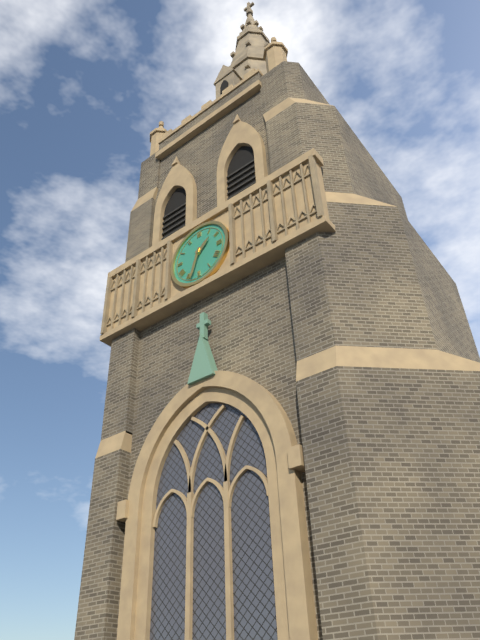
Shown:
**1:33**
